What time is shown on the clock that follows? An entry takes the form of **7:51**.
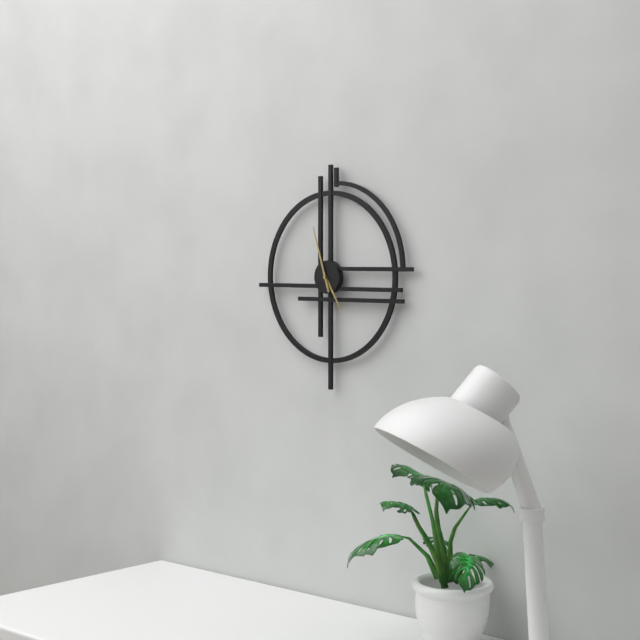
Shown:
**4:57**
